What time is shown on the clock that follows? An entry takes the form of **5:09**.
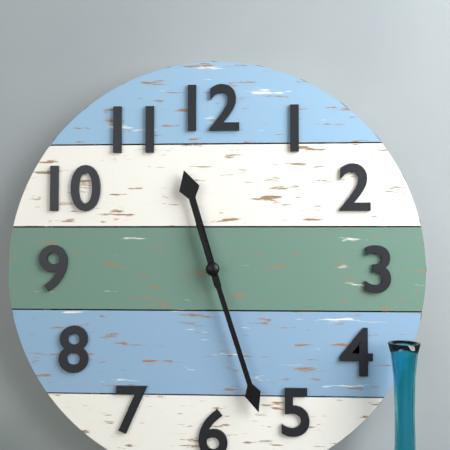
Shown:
**11:27**
